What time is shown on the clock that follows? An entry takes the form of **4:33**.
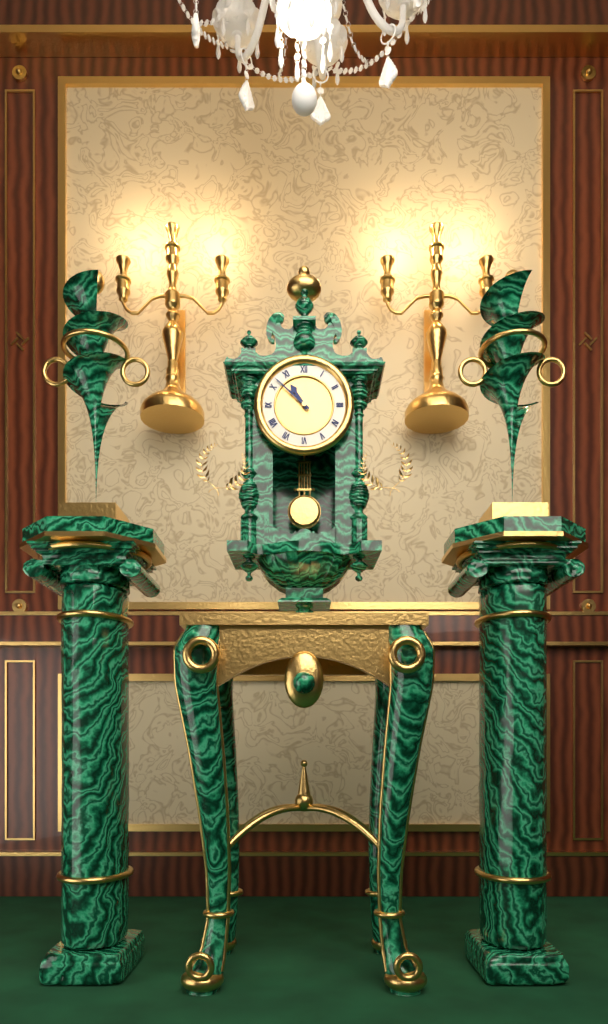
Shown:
**10:52**
